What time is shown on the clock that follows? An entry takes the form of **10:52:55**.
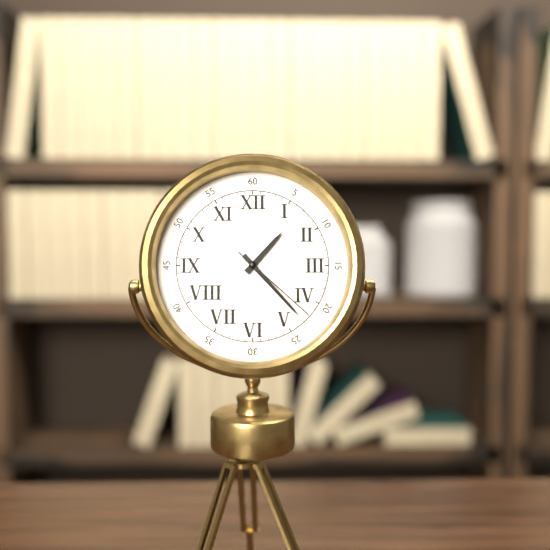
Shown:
**1:23:22**
